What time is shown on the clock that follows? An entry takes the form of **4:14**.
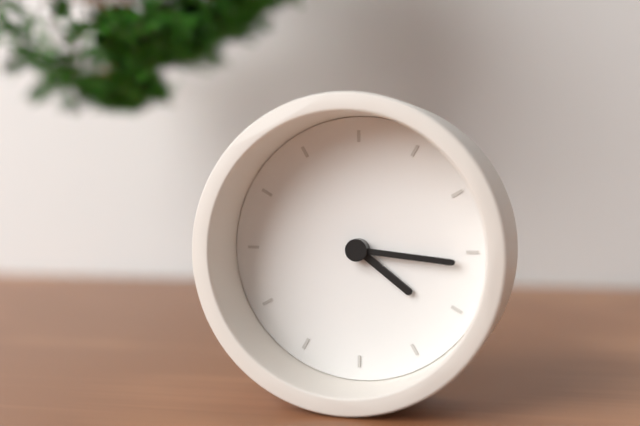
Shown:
**4:16**
